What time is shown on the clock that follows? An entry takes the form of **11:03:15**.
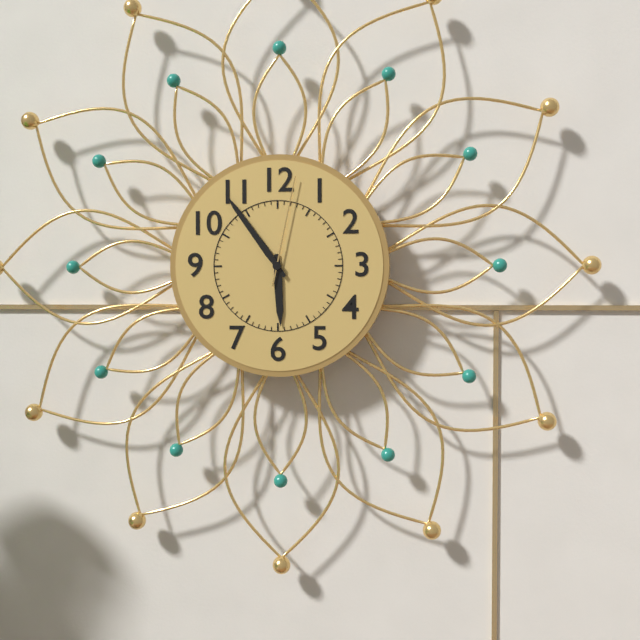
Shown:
**5:54:02**
